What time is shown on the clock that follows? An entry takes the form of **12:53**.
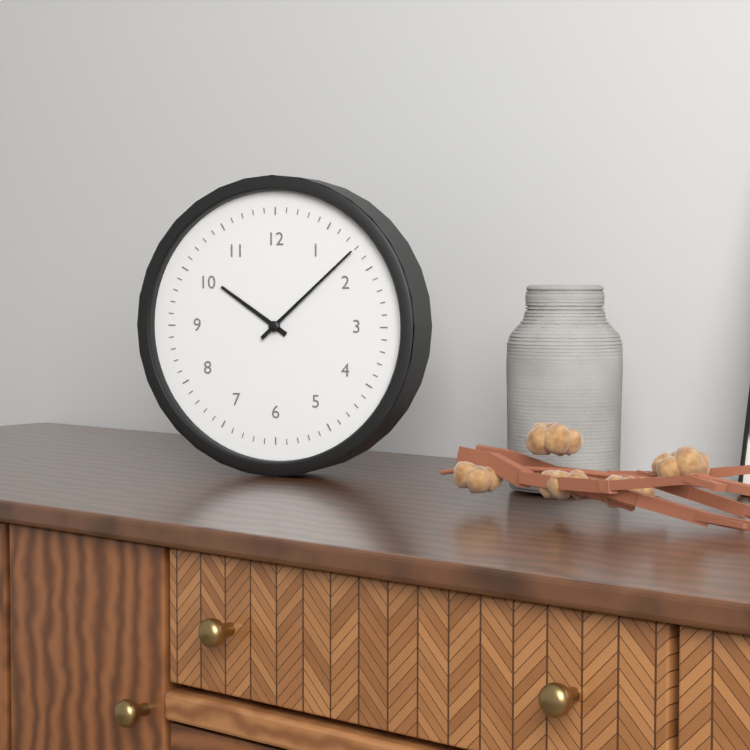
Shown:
**10:08**
